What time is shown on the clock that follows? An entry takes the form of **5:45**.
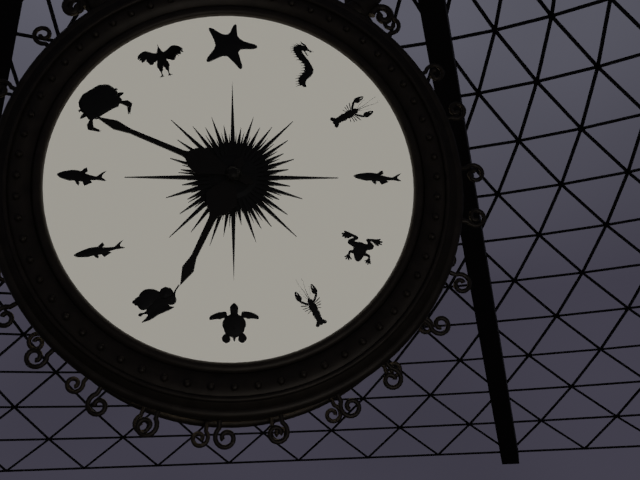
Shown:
**6:49**
